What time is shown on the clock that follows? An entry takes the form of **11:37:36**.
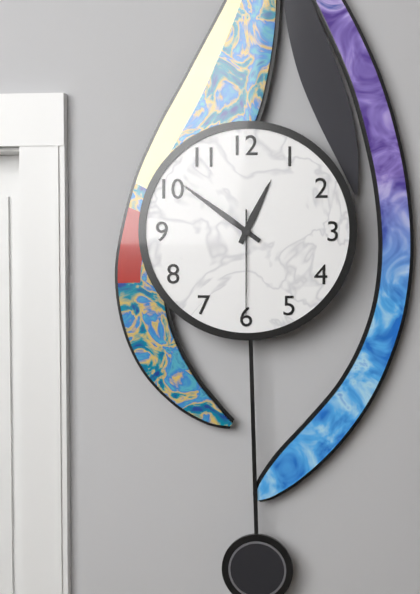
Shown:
**12:51:30**
